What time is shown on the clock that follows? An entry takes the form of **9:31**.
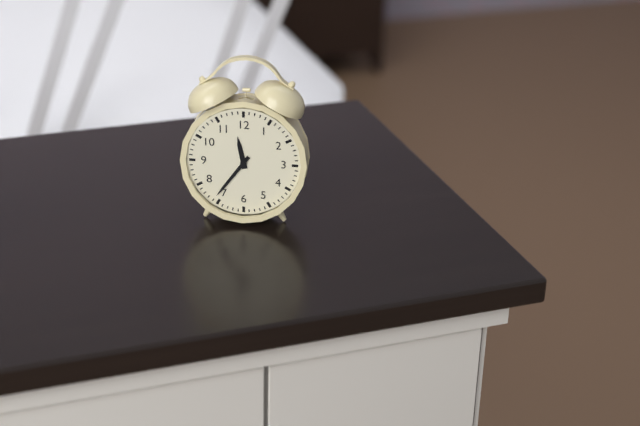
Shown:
**11:36**
